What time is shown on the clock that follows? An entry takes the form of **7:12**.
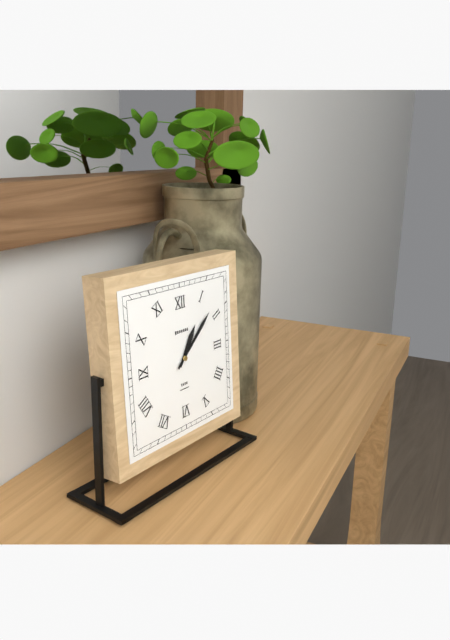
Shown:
**1:08**
